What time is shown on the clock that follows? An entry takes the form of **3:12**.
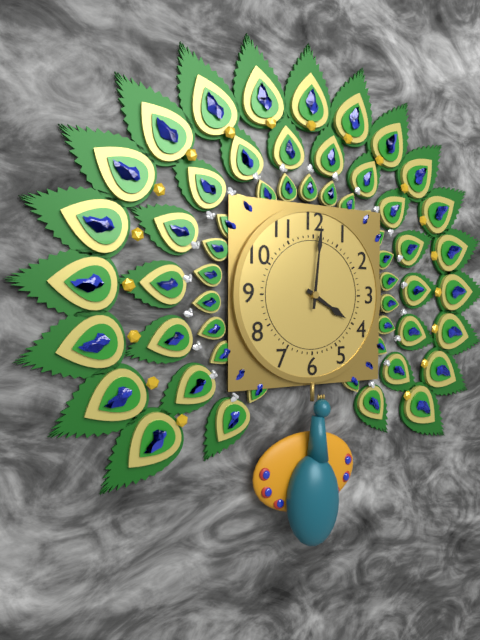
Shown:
**4:01**
